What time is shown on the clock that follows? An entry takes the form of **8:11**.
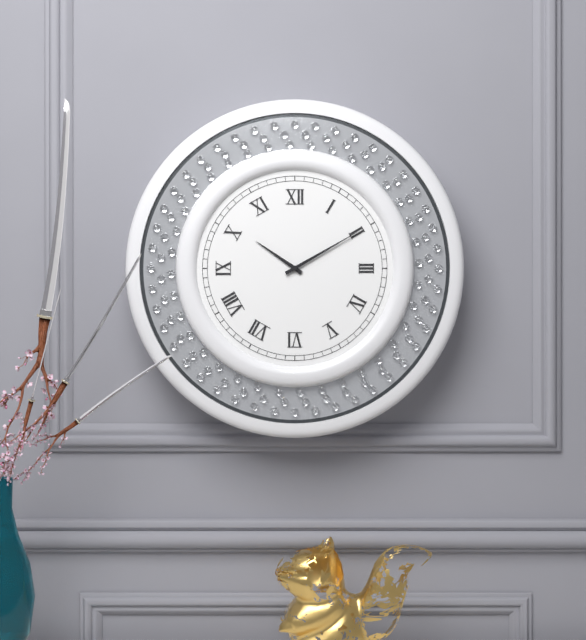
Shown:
**10:10**
